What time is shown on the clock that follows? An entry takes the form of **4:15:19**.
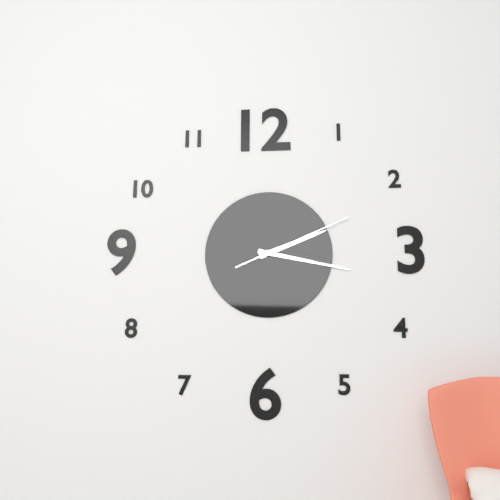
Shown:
**2:17:11**
